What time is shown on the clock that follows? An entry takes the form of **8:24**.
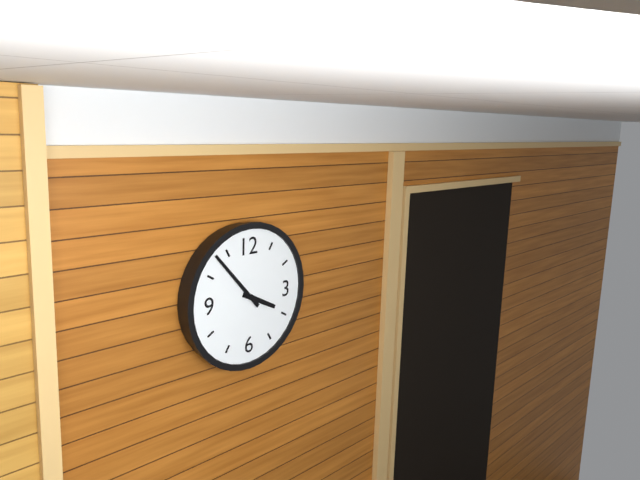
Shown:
**3:53**
